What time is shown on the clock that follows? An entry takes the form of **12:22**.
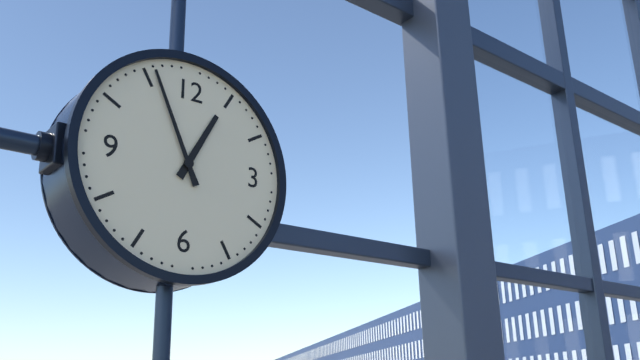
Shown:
**12:56**
